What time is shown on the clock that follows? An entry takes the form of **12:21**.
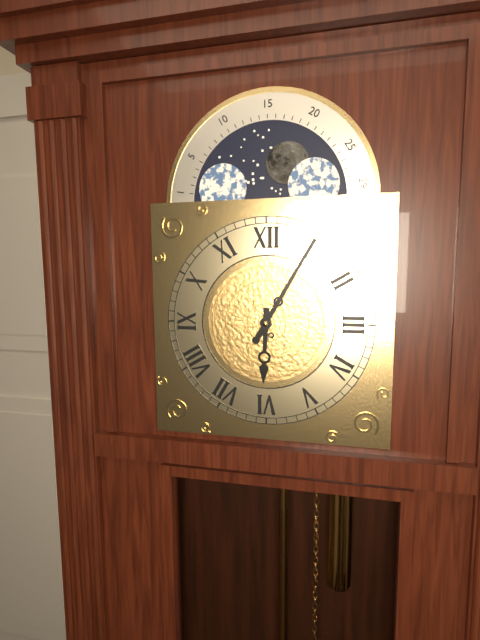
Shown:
**6:05**
